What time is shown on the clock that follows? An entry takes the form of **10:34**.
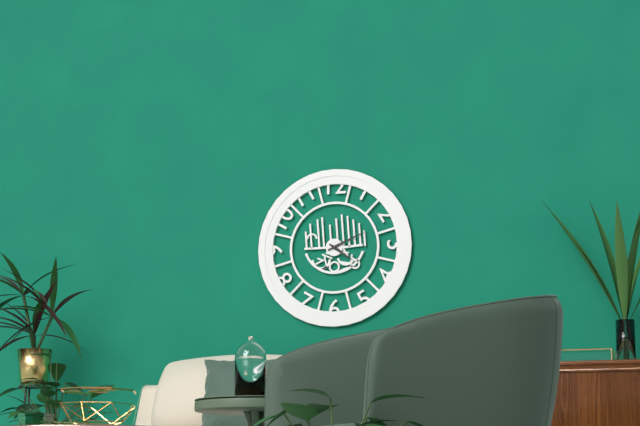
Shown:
**4:11**
